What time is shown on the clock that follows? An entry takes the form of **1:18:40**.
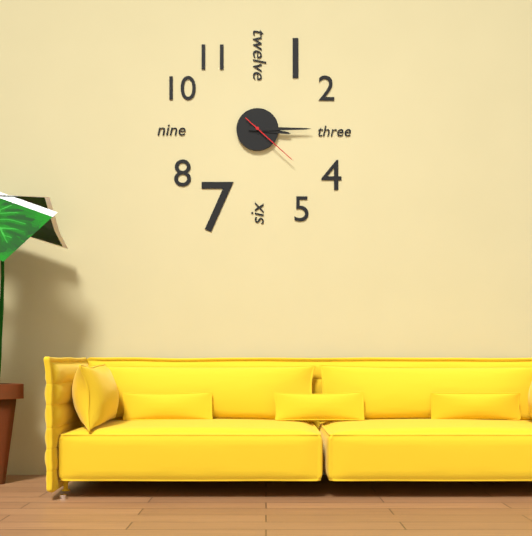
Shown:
**3:15:22**
